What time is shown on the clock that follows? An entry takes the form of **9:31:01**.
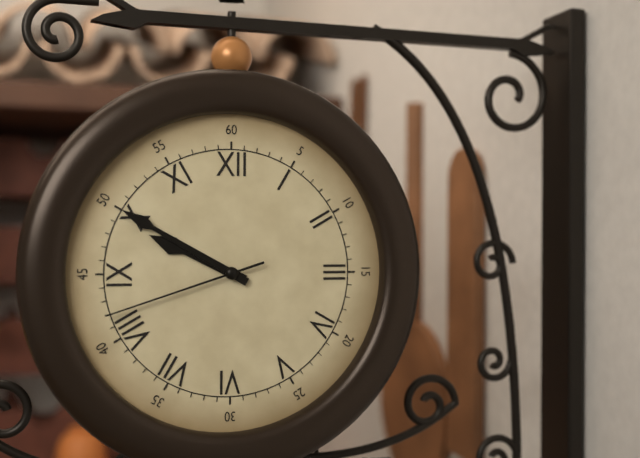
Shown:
**9:50:42**
